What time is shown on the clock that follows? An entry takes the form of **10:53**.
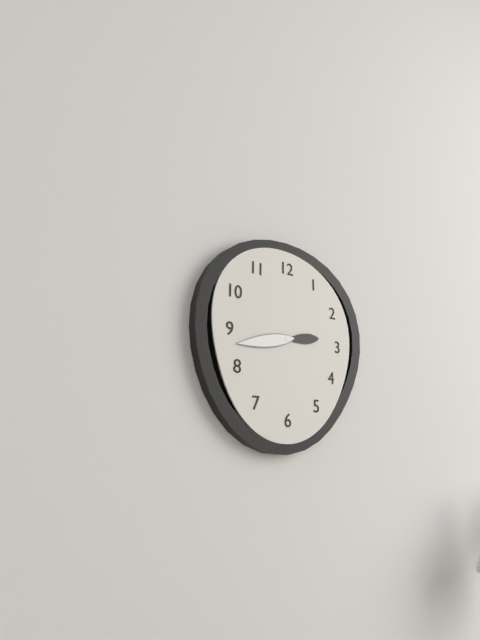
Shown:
**2:43**
